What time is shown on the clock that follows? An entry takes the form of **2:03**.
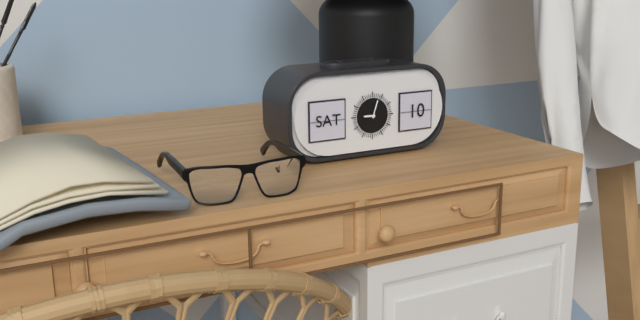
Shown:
**9:03**
